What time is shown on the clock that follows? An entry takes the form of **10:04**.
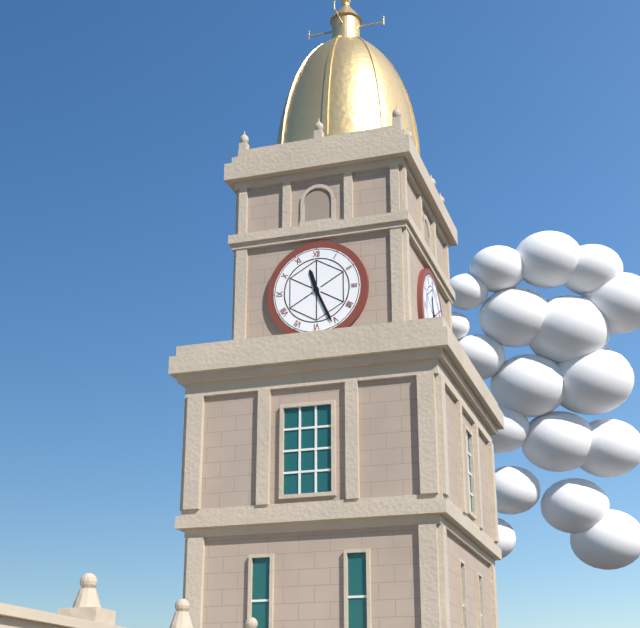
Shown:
**11:26**
